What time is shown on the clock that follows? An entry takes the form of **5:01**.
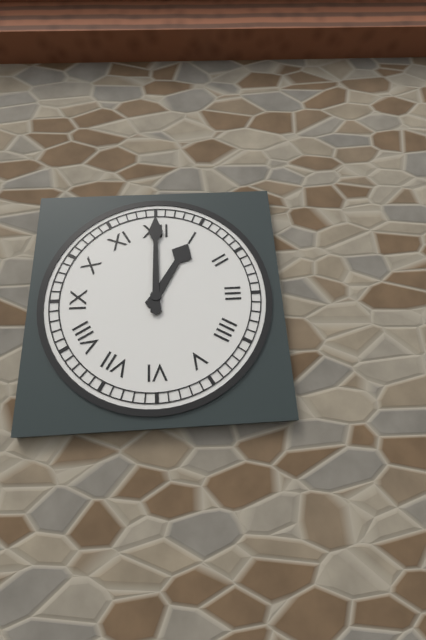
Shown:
**1:00**
